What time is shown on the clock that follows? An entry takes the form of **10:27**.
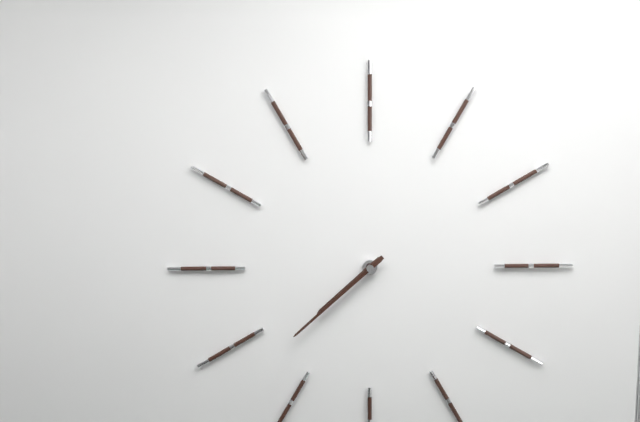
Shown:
**7:38**
